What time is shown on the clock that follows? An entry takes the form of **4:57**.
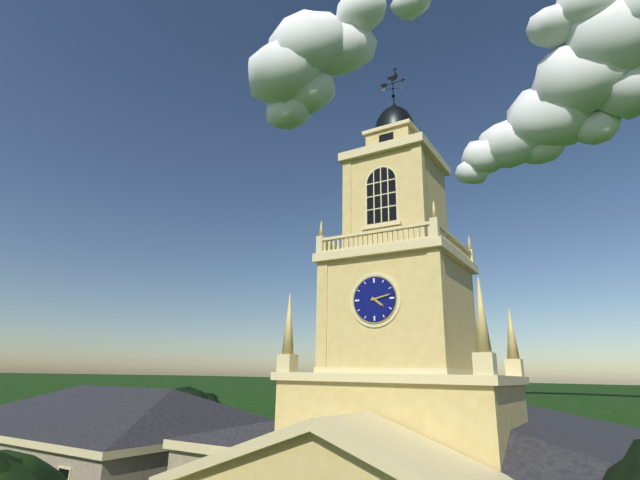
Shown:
**4:13**
